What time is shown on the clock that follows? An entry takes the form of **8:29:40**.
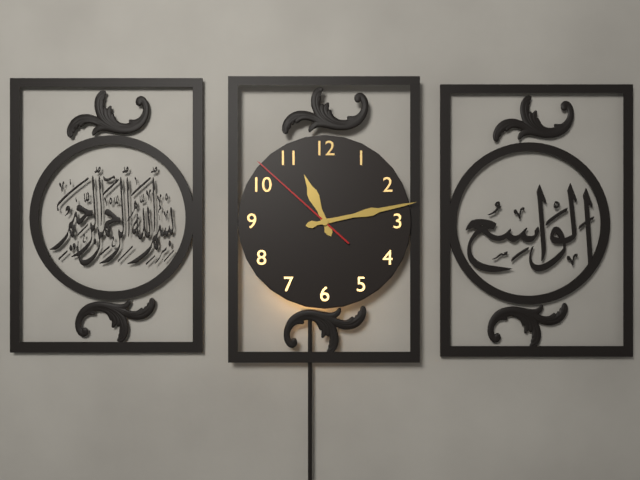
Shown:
**11:13:52**
